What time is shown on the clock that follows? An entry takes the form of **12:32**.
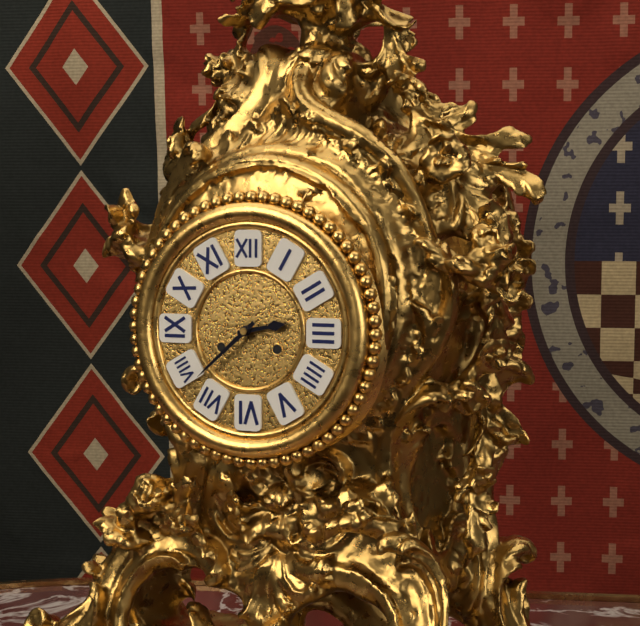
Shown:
**2:38**
